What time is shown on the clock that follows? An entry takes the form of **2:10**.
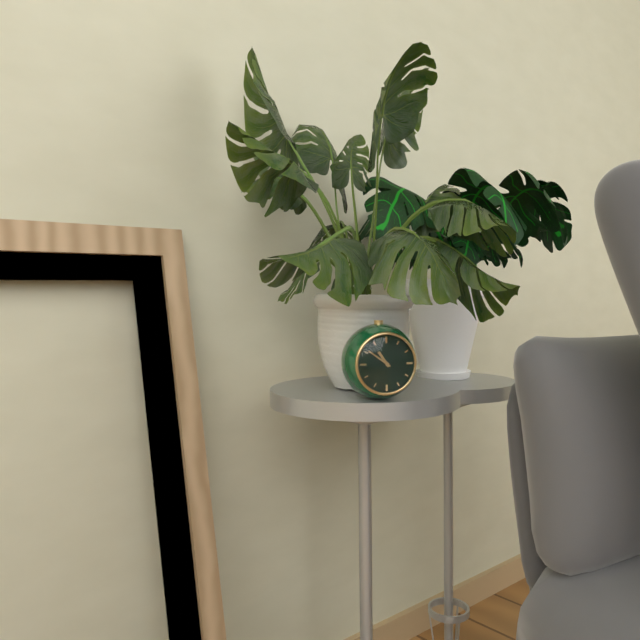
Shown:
**10:51**
